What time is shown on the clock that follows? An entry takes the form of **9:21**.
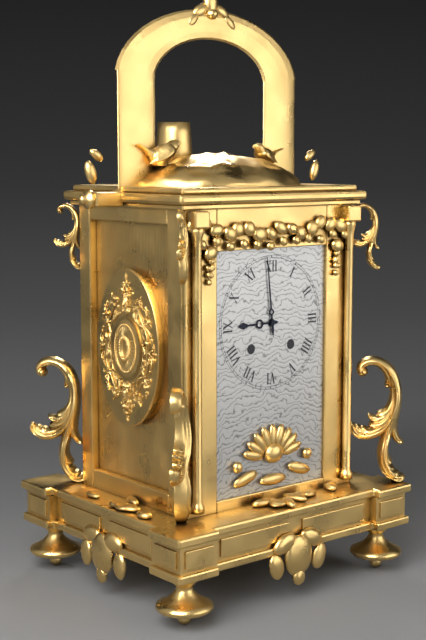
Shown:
**8:59**
